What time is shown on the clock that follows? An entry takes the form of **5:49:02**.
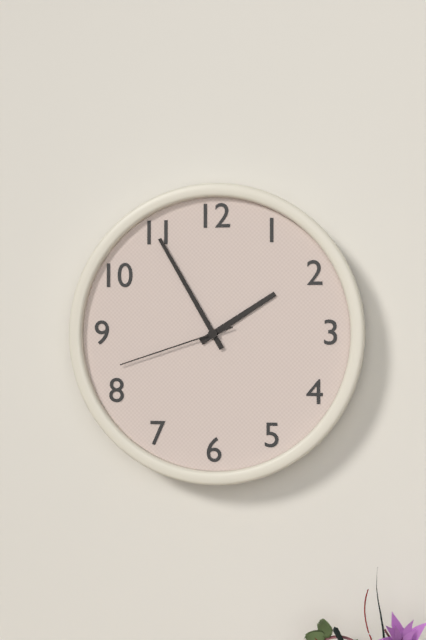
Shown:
**1:55:42**
